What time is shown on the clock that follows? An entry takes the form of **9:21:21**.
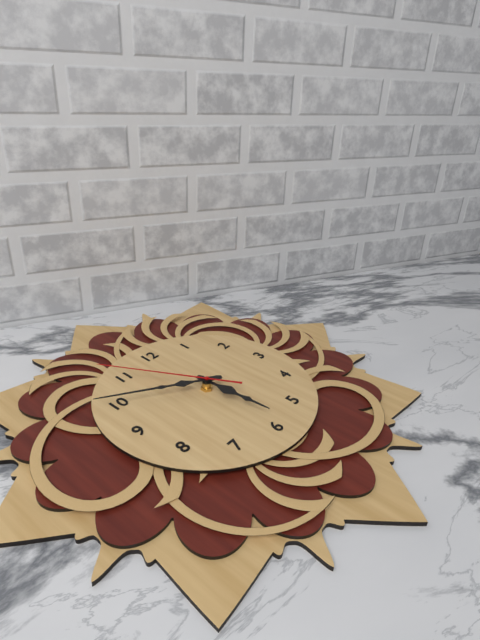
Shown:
**5:50:55**
